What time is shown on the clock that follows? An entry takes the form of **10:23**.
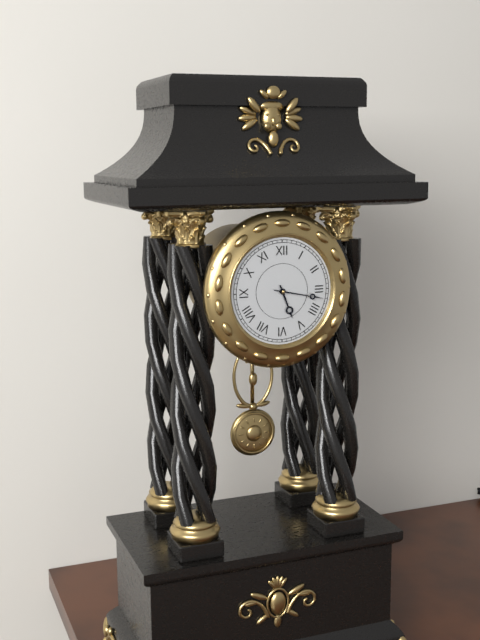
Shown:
**5:17**
